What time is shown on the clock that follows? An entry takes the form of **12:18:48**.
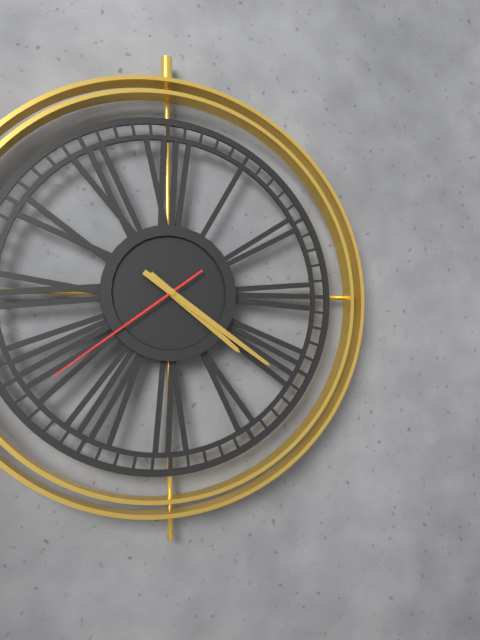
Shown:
**4:21:39**
